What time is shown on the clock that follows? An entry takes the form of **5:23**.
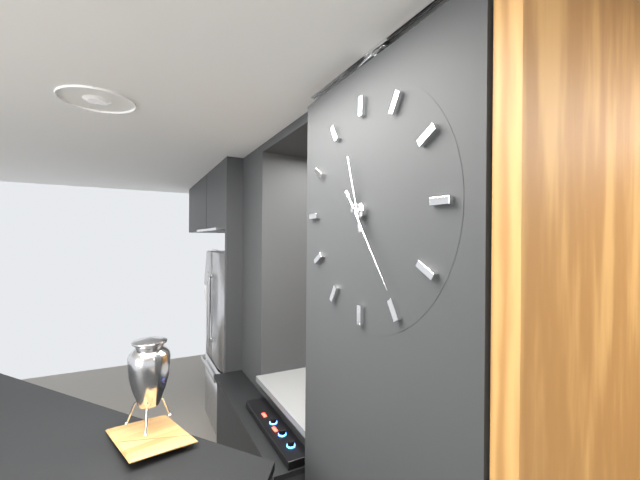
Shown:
**11:24**
